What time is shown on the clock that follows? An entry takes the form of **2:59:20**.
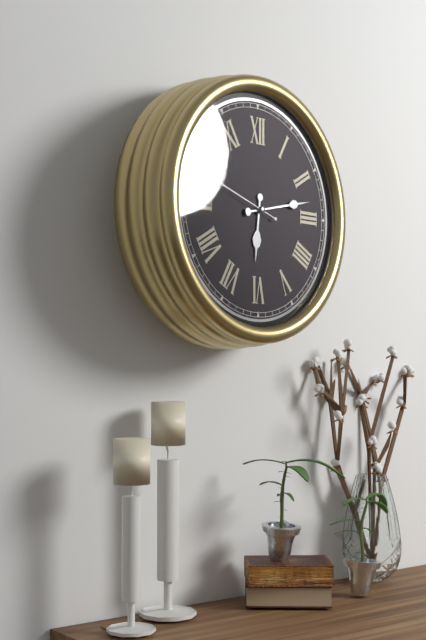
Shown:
**6:13:48**
